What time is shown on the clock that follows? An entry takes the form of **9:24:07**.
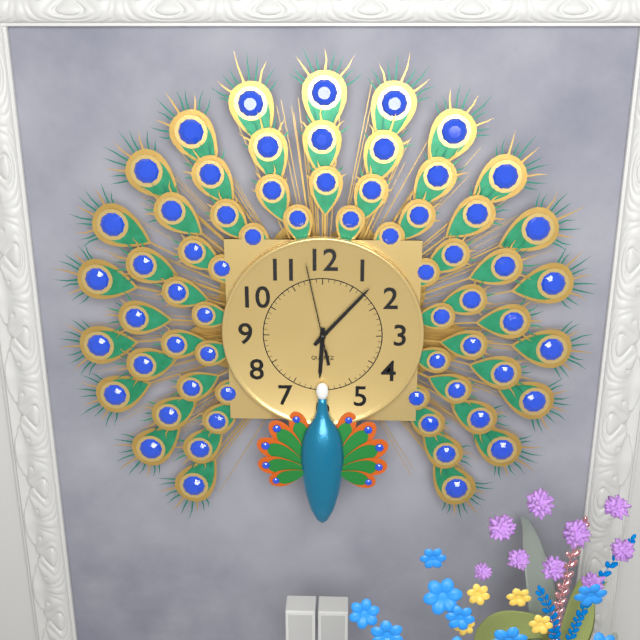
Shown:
**6:07:58**
